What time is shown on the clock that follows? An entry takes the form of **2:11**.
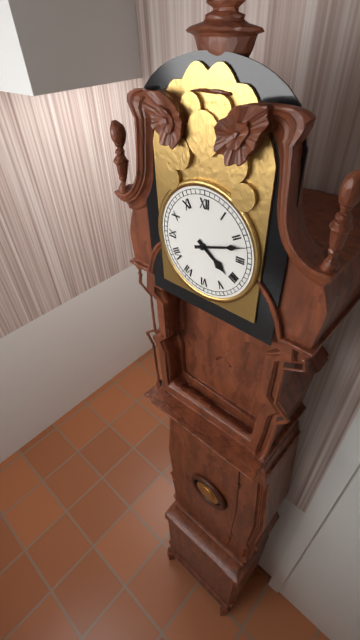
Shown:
**4:12**
